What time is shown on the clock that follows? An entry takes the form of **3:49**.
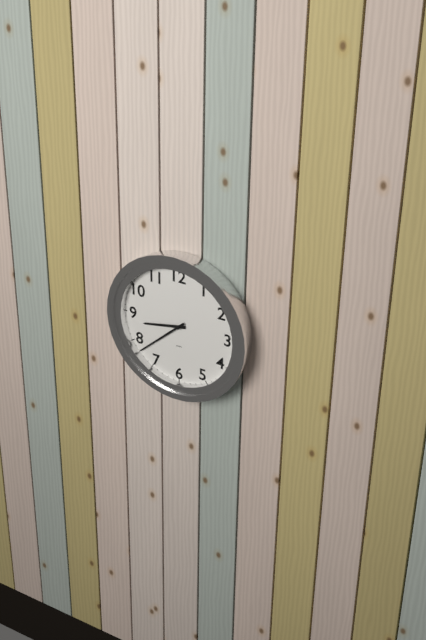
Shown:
**8:38**
